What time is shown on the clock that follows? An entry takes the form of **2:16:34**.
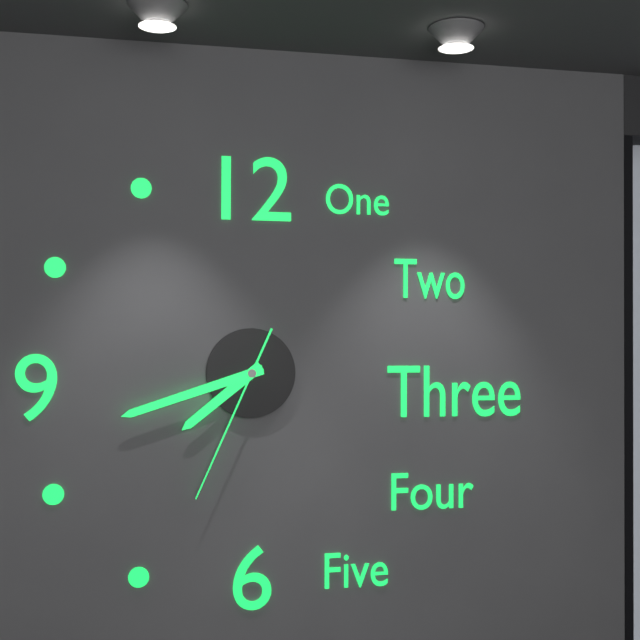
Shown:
**7:42:34**
